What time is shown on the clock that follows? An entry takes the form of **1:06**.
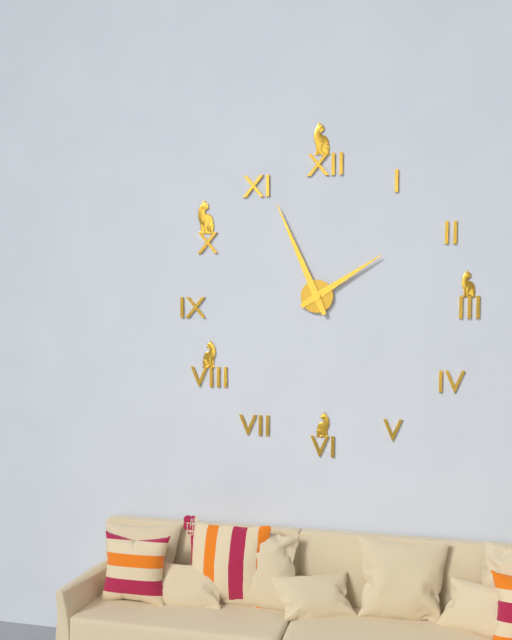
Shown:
**1:56**
